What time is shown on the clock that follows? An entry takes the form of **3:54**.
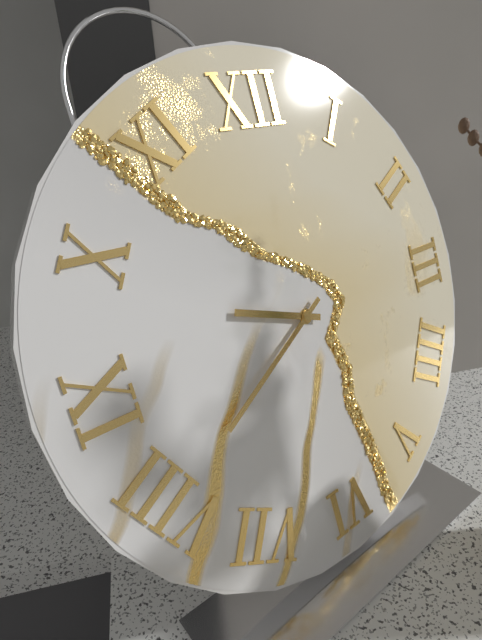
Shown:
**9:40**
